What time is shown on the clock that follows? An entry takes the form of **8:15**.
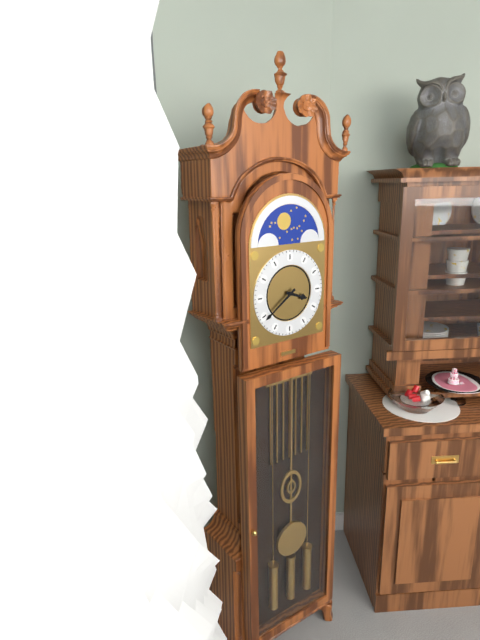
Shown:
**3:39**
